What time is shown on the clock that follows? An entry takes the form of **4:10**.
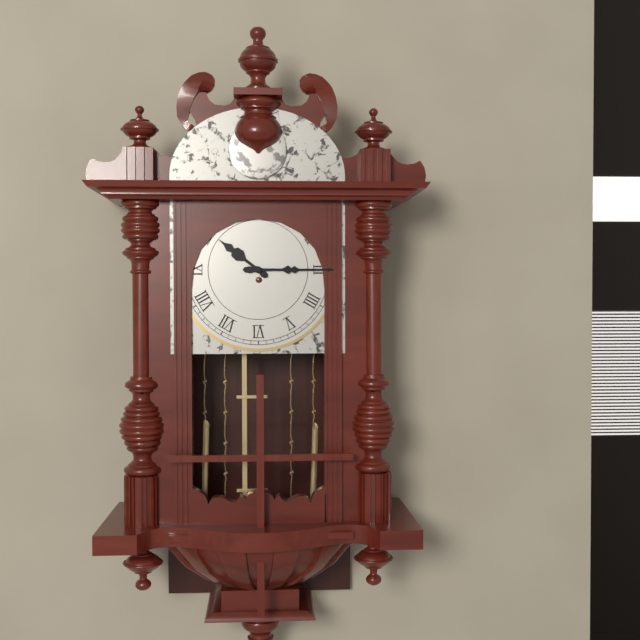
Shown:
**10:15**
